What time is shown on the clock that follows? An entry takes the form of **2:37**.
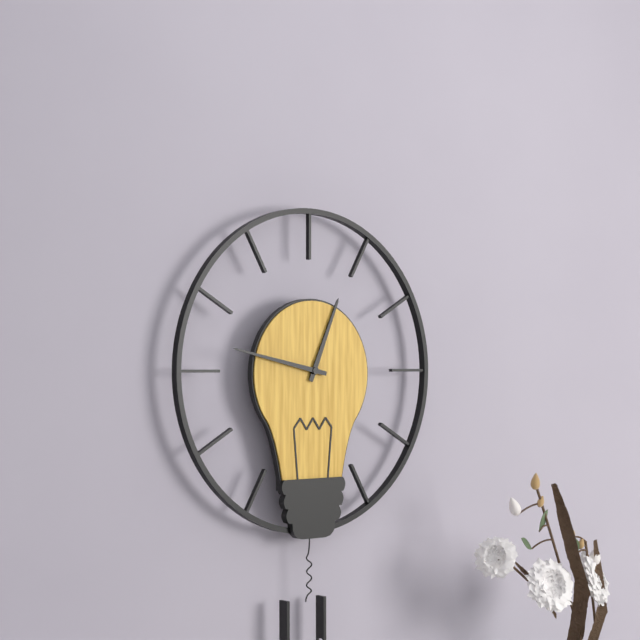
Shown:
**12:47**
